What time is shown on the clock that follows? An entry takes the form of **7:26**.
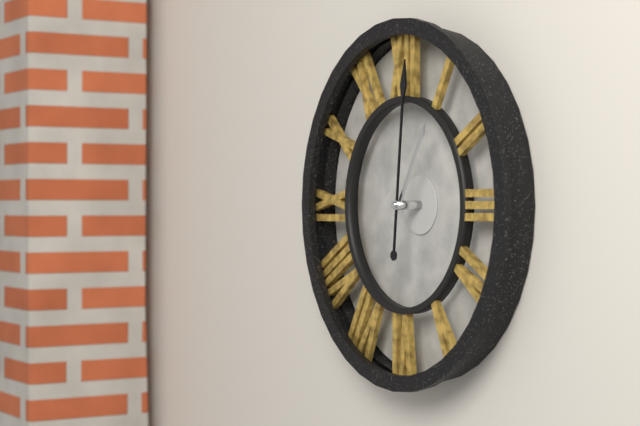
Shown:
**1:01**
